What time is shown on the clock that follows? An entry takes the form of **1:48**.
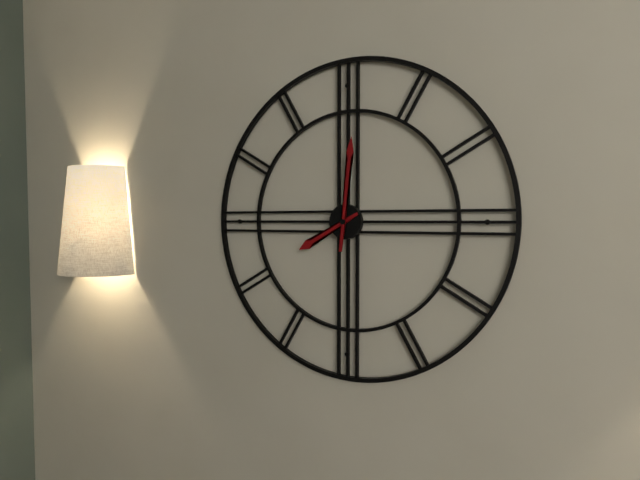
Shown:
**8:01**
